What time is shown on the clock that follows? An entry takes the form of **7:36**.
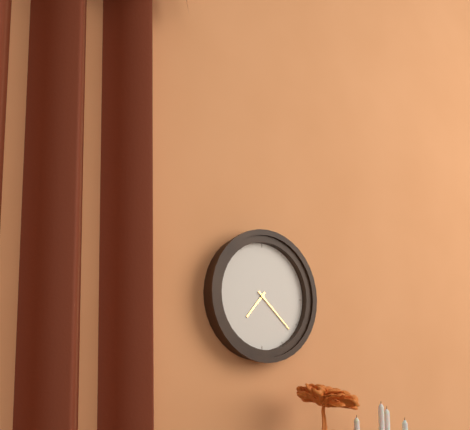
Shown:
**7:22**
